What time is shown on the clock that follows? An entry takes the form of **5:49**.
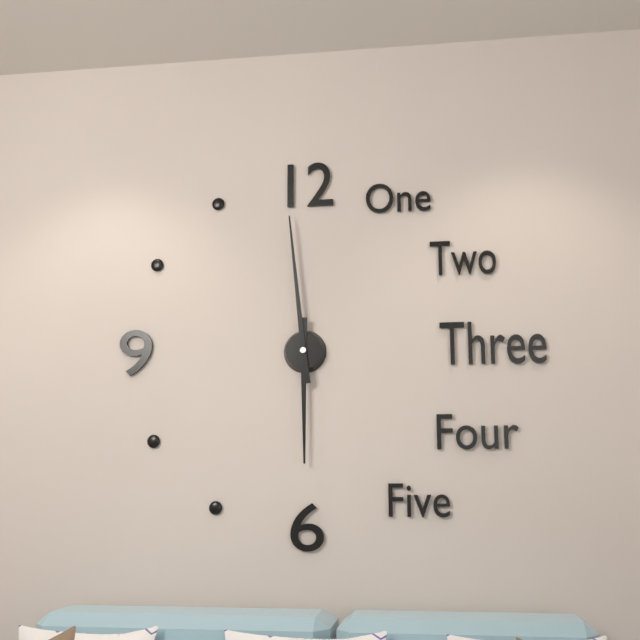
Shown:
**5:59**
